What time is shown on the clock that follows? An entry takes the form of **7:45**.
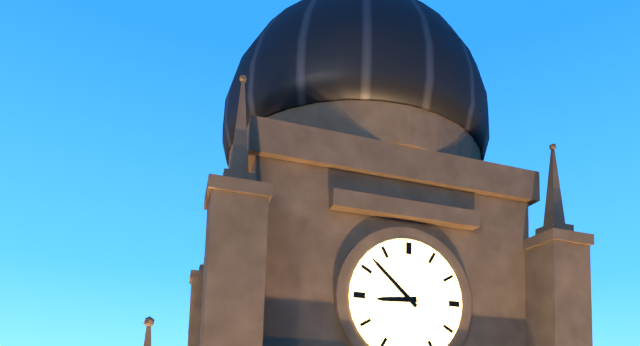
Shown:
**8:52**
